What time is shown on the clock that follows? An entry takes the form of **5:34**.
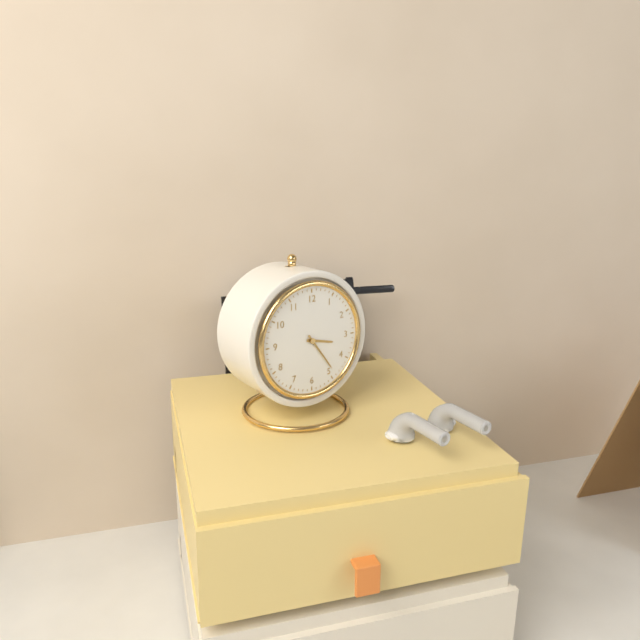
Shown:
**3:24**
